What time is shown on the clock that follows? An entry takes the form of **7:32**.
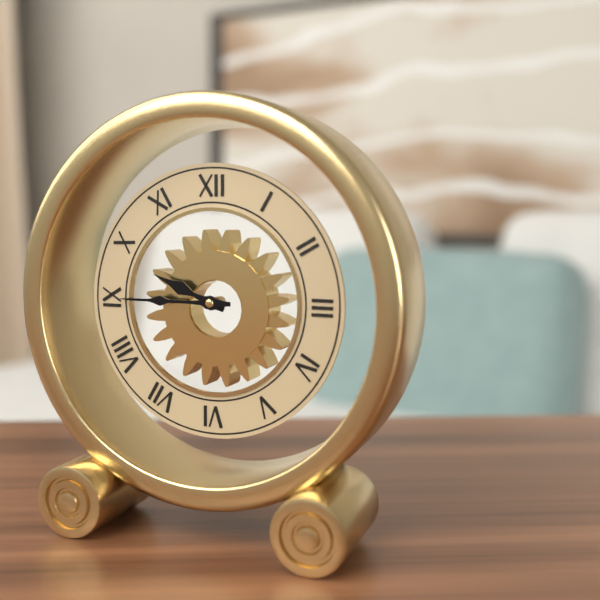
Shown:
**9:45**
